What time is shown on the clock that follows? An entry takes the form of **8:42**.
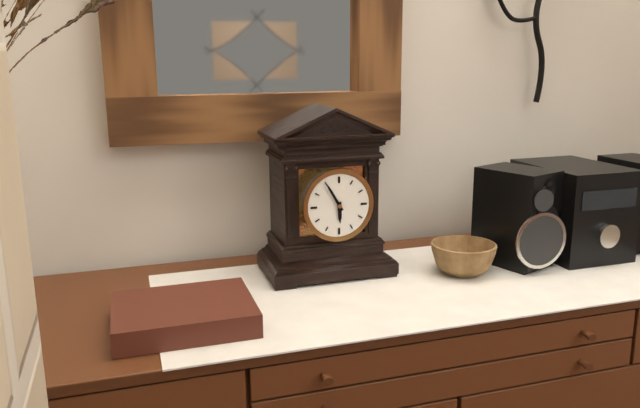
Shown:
**5:55**
